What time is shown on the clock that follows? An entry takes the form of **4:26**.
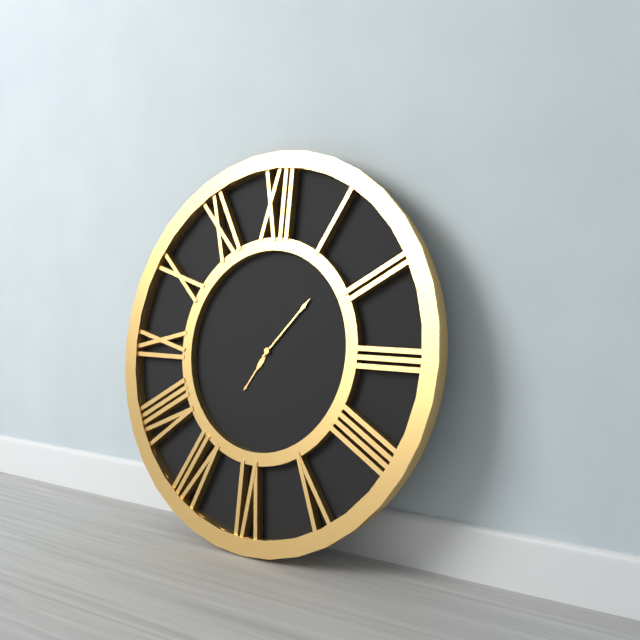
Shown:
**7:07**
